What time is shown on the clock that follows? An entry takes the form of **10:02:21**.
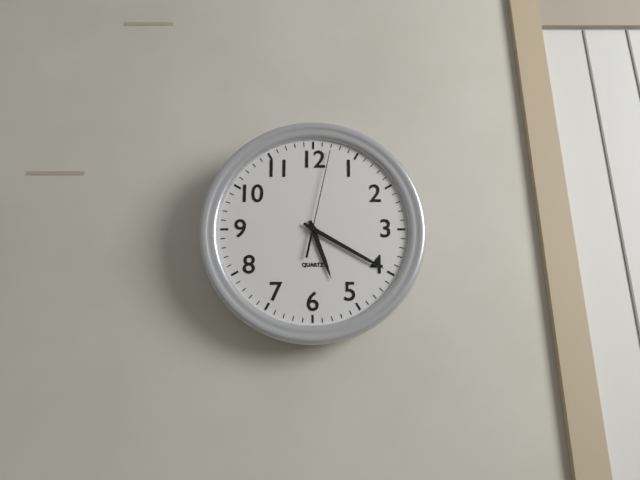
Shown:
**5:20:02**
